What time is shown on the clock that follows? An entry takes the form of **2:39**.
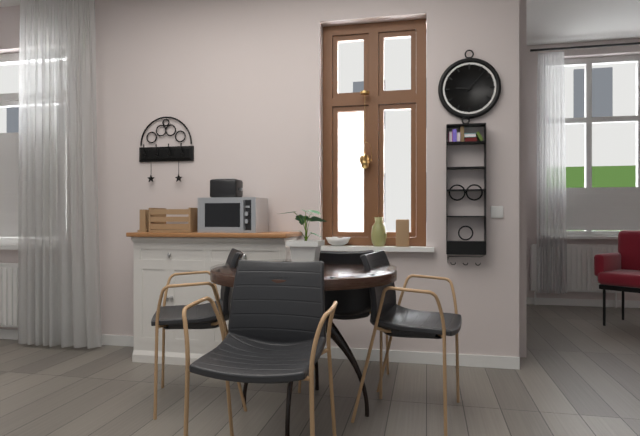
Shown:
**9:07**
